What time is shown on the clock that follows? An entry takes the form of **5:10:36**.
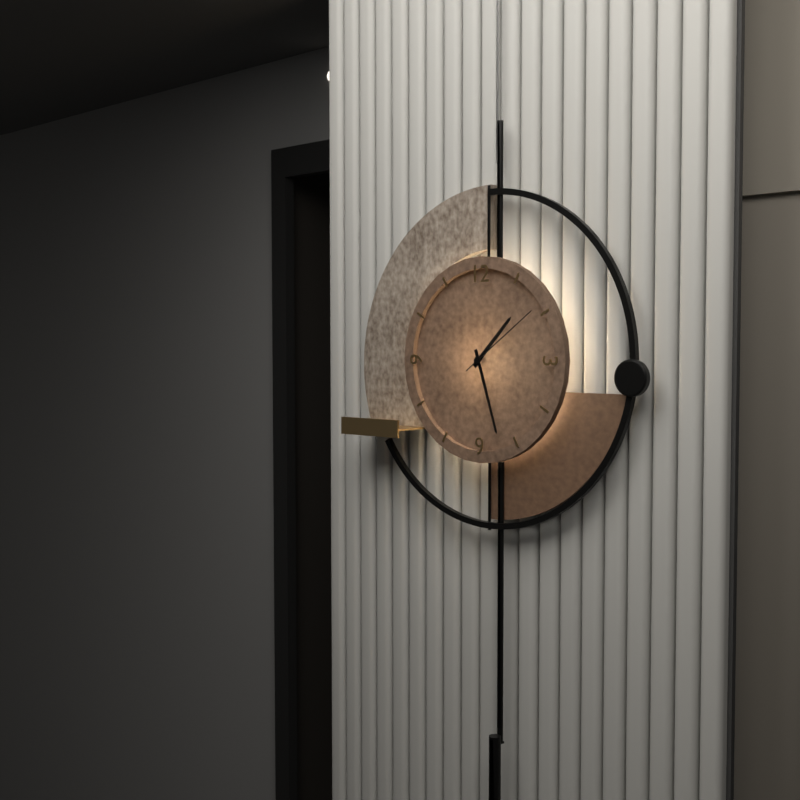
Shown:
**1:27:09**
